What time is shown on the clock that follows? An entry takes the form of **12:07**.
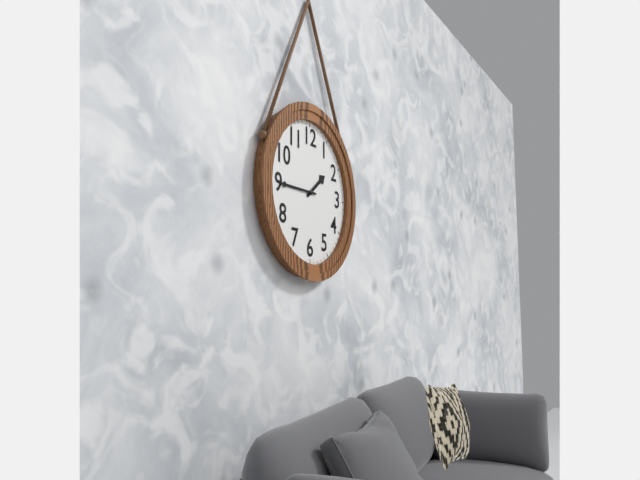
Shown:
**1:45**
